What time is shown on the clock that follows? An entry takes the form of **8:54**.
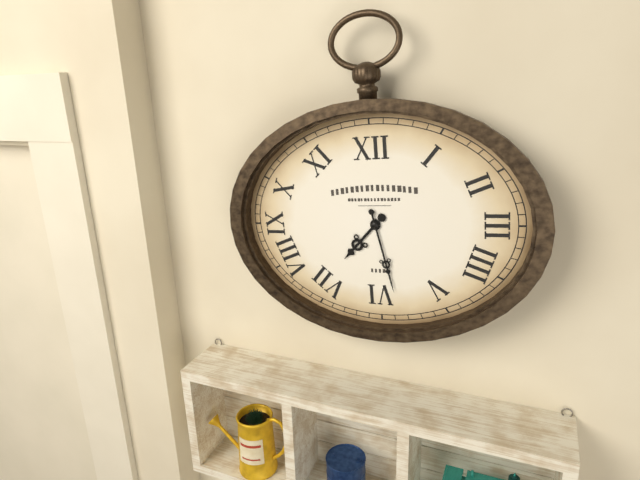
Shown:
**7:28**
